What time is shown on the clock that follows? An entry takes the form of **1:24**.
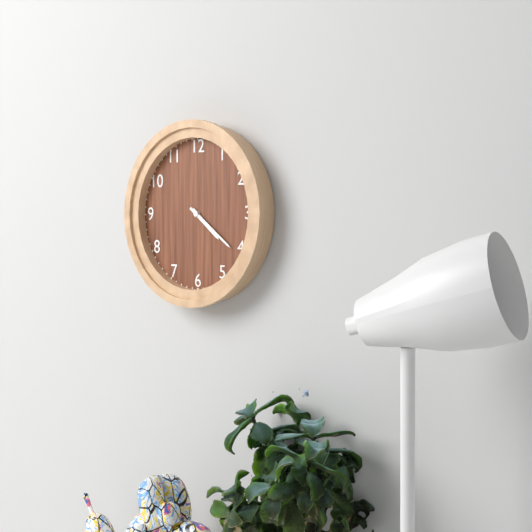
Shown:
**4:21**
